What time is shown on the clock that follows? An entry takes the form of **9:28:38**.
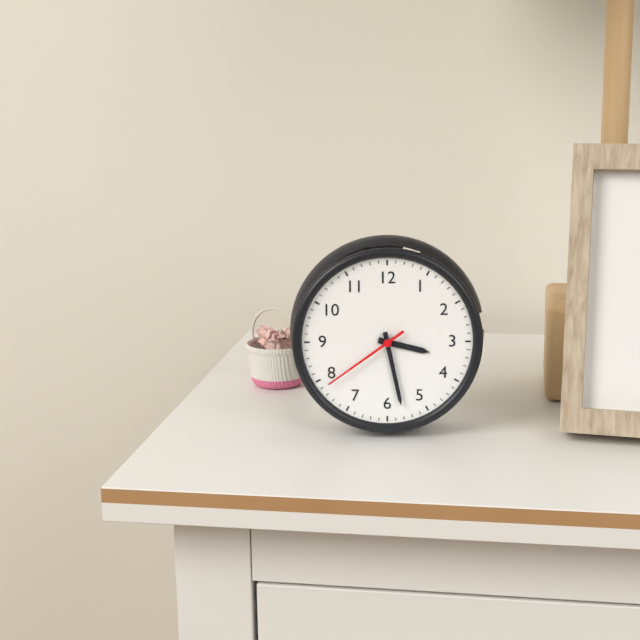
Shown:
**3:28:39**
